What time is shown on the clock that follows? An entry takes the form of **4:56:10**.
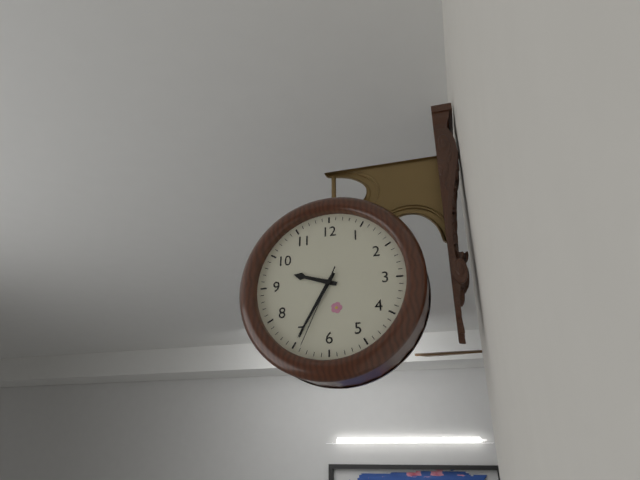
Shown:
**9:35:34**
